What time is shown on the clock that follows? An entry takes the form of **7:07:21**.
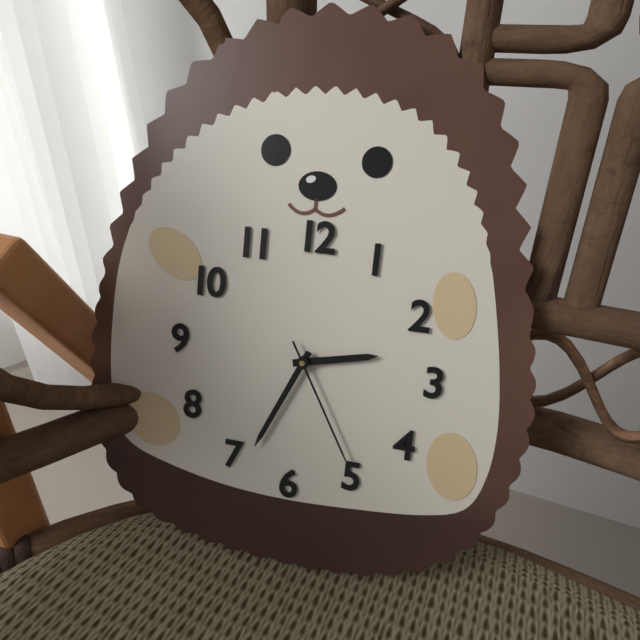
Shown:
**2:34:25**
